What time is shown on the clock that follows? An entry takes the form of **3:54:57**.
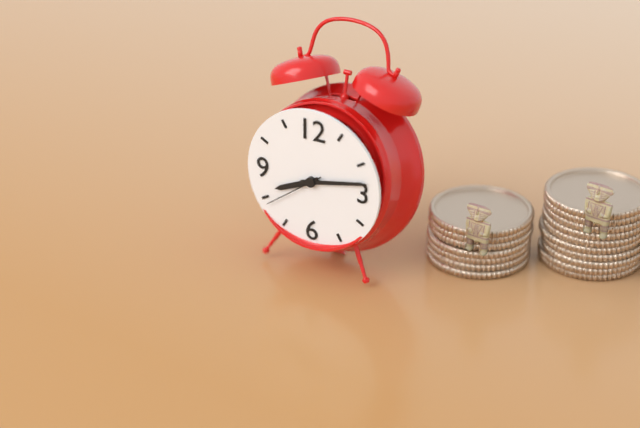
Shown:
**8:13:39**
